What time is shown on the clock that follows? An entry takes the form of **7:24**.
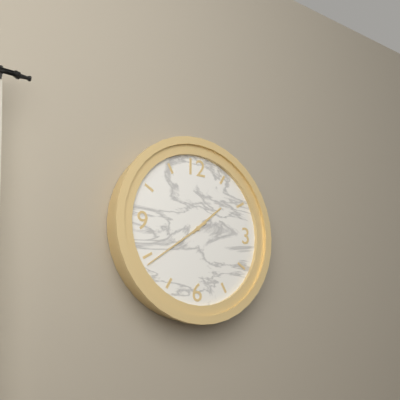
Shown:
**1:39**
